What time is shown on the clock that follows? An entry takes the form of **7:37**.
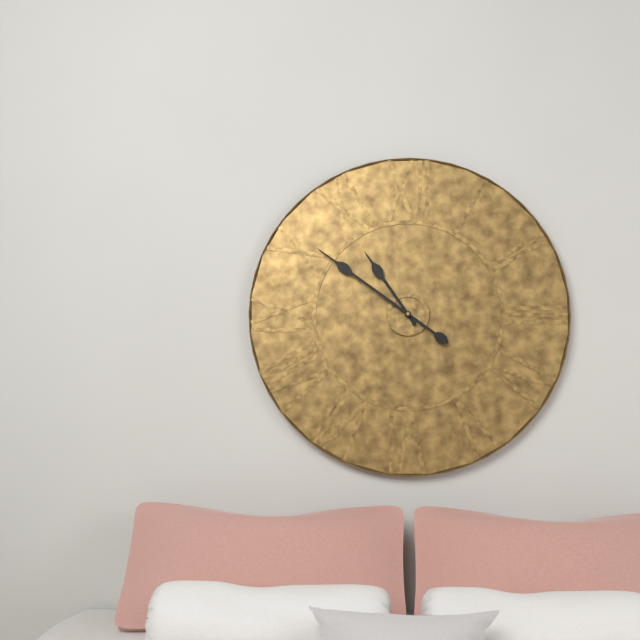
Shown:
**10:51**
